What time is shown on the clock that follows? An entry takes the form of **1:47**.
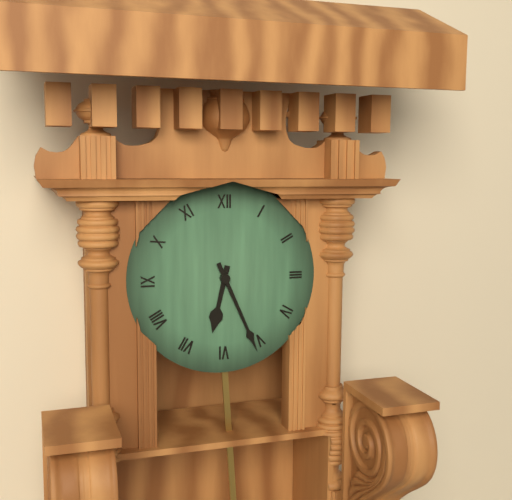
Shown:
**6:26**
